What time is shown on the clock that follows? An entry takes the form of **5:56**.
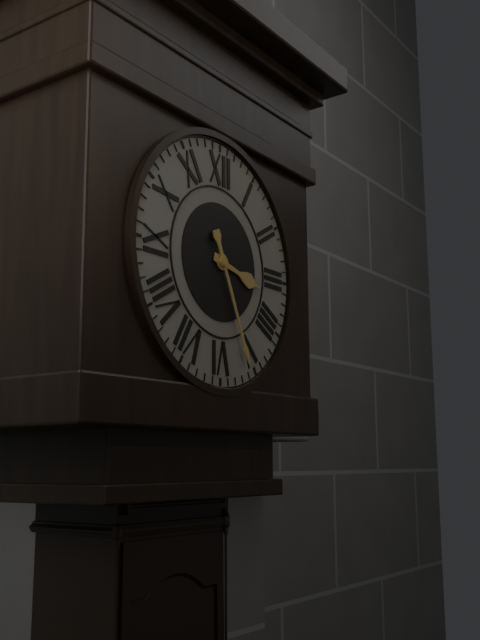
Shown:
**3:26**
